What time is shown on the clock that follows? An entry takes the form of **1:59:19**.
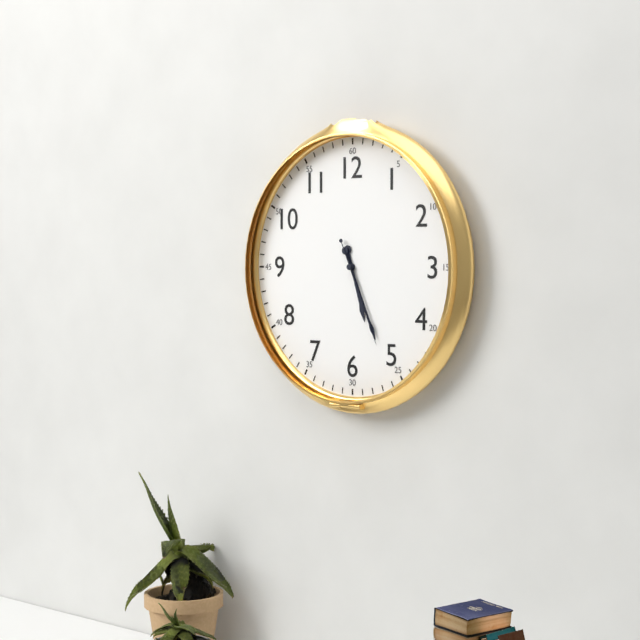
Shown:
**5:26:26**
